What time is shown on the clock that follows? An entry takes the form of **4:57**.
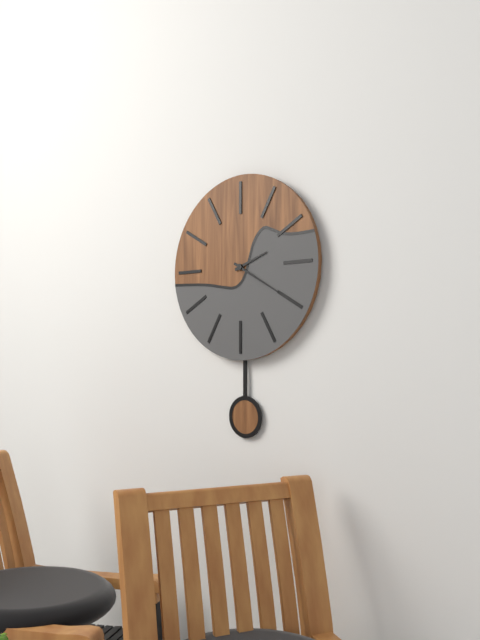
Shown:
**2:20**
